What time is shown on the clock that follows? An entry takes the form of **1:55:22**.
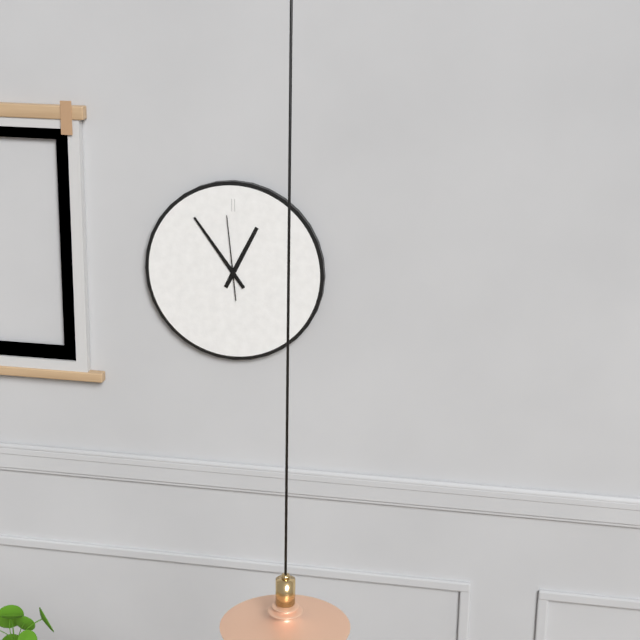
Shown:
**12:54:59**
